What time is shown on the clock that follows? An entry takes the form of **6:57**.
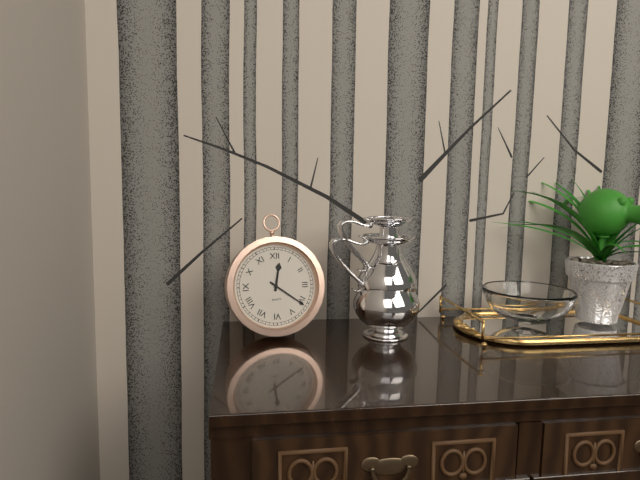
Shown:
**12:21**
